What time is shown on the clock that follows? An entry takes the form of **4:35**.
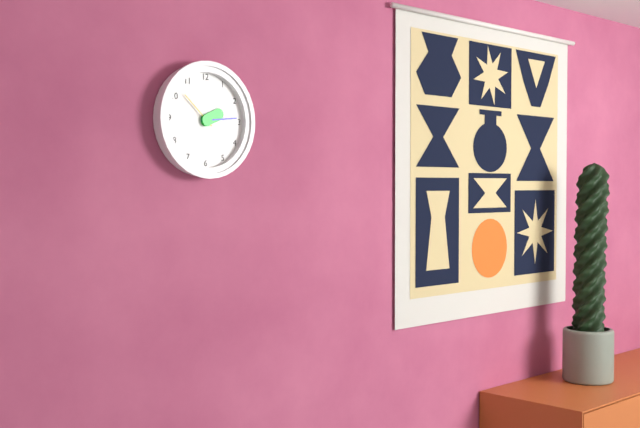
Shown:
**2:14**
